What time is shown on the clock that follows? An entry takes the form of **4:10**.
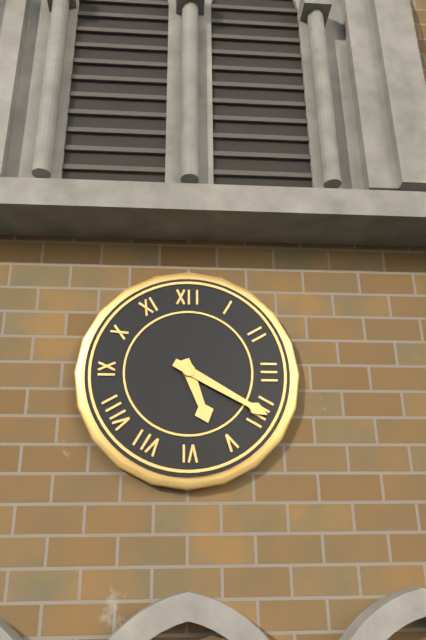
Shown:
**5:20**
